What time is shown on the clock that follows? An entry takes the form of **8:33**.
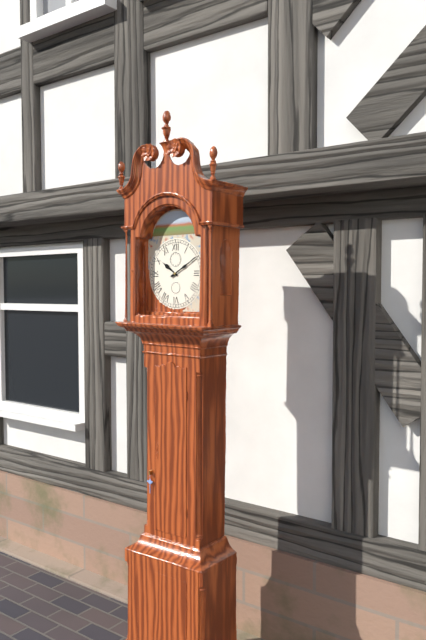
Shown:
**10:10**
